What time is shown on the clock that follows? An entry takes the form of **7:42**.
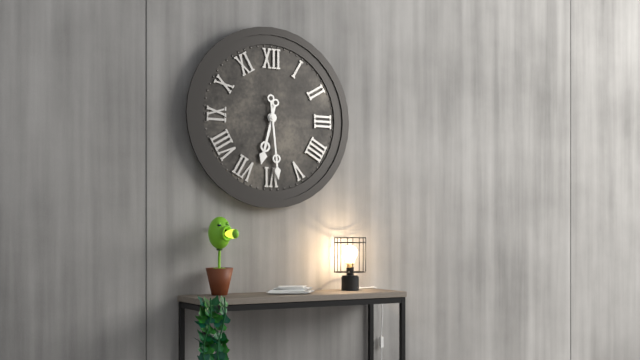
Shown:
**6:29**
